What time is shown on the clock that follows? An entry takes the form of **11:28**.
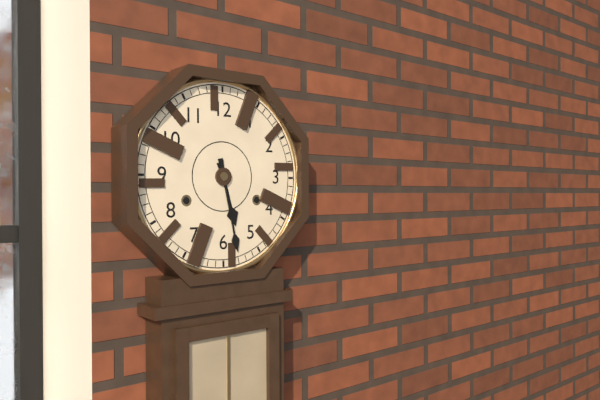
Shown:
**5:28**
